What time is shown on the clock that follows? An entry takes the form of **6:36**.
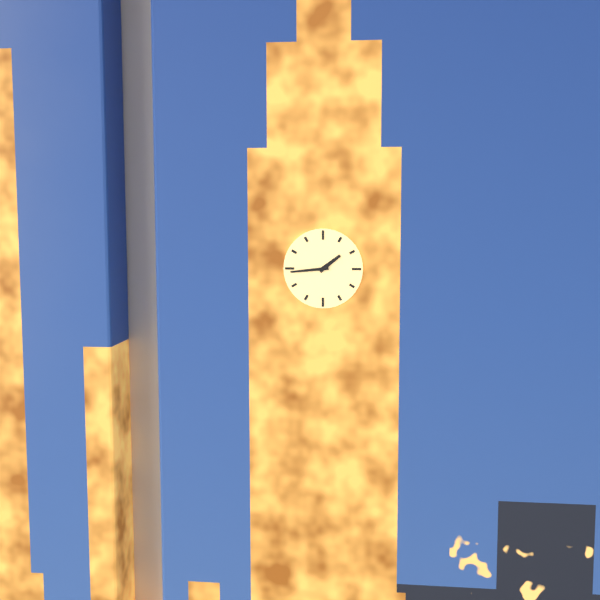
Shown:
**1:44**
